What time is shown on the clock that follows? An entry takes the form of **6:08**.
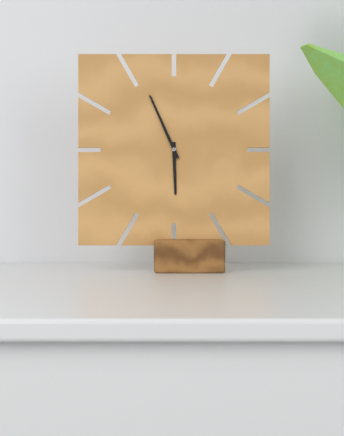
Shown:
**5:56**
